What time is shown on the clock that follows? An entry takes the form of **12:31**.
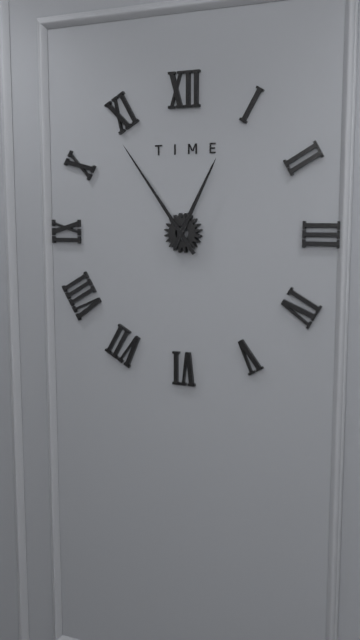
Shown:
**12:54**
